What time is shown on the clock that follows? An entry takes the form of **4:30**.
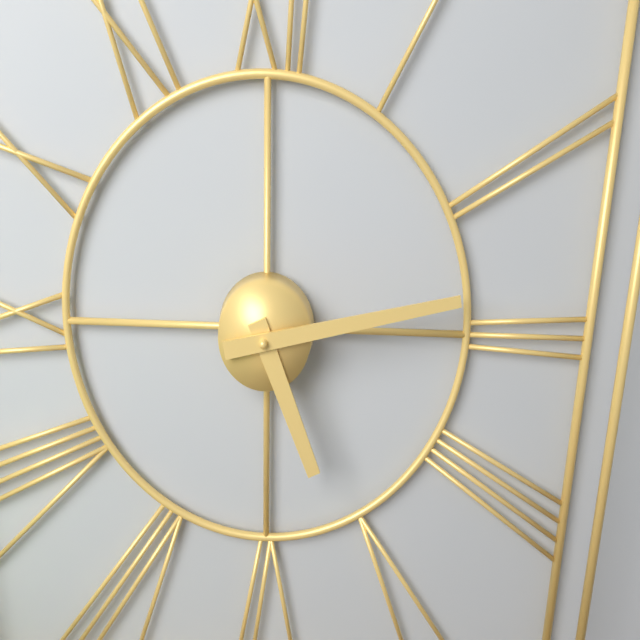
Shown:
**5:13**
